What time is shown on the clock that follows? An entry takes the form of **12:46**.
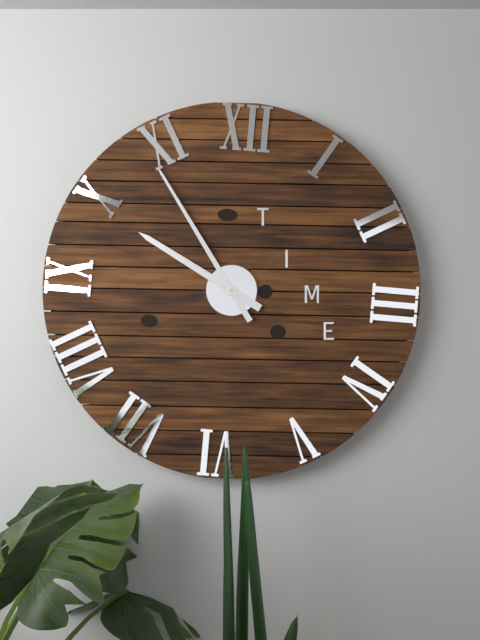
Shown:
**9:54**
